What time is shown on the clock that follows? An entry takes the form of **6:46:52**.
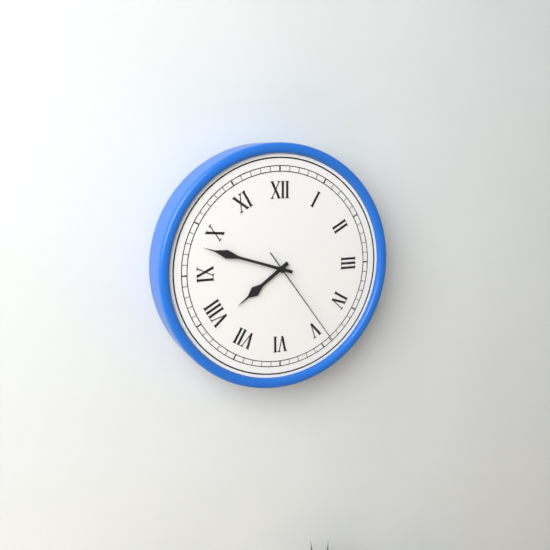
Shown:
**7:48:24**
